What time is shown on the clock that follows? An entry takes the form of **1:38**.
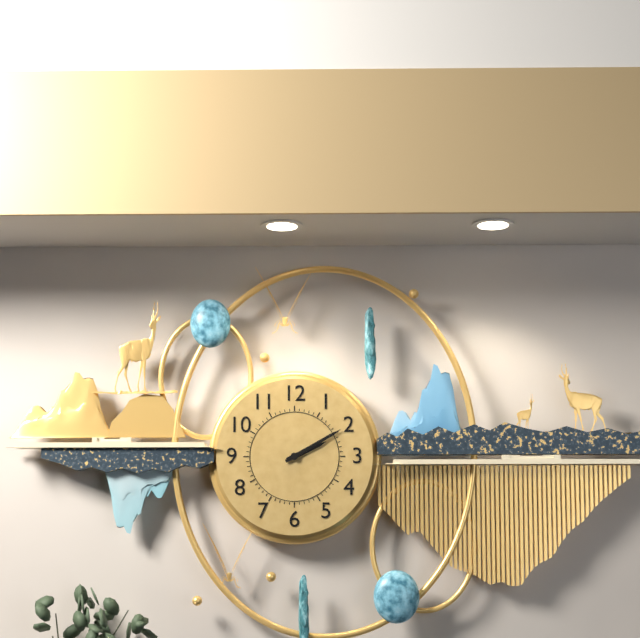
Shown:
**2:10**
